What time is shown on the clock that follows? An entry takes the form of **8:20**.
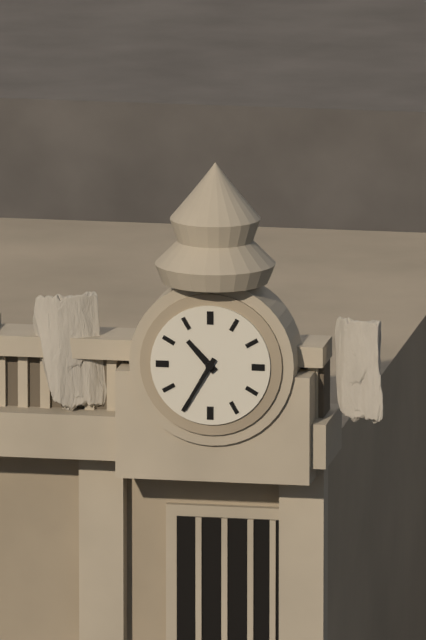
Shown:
**10:35**
